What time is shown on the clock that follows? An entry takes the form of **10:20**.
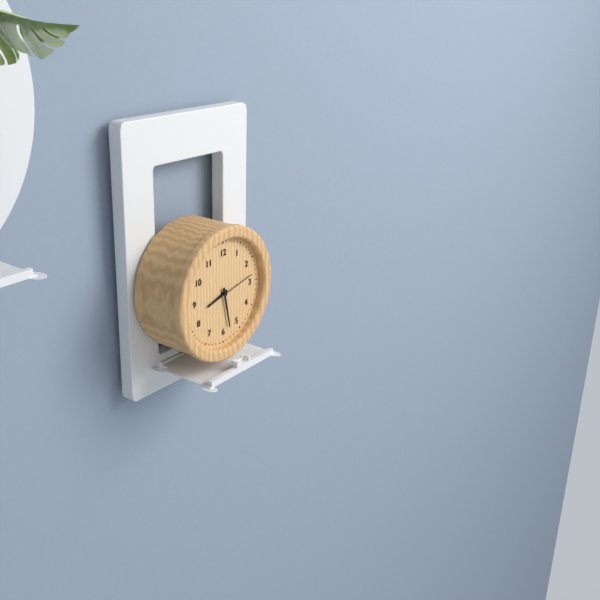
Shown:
**8:28**
